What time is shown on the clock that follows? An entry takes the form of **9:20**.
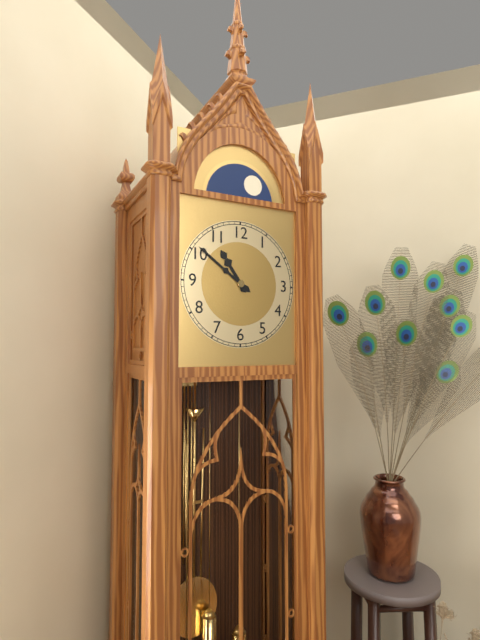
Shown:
**10:51**
